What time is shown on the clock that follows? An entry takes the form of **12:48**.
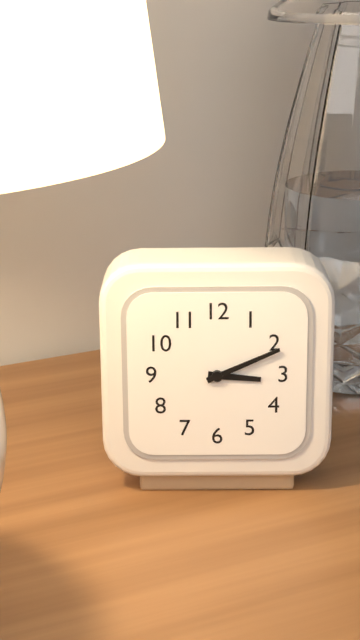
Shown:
**3:11**
